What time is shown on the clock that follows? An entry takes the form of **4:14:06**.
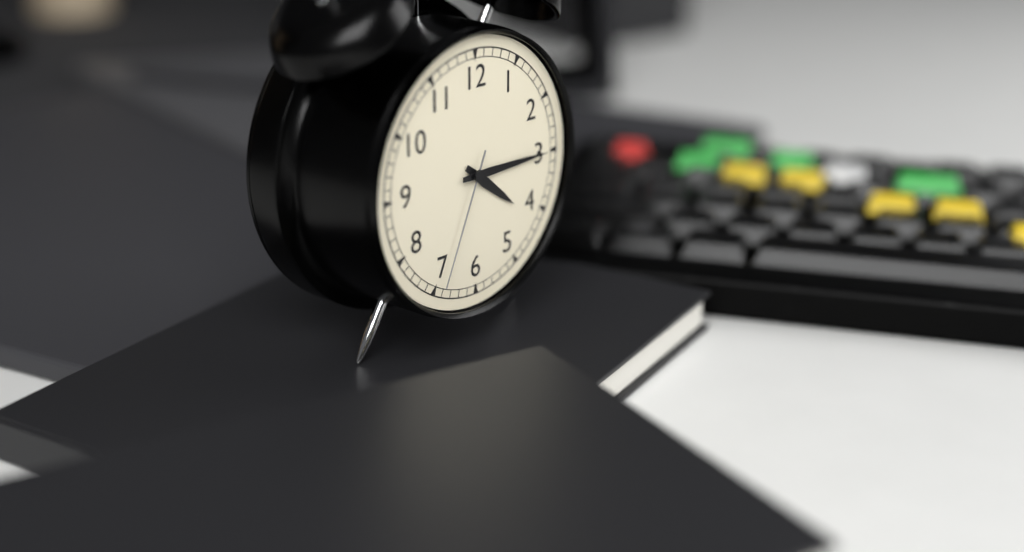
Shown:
**4:15:34**
